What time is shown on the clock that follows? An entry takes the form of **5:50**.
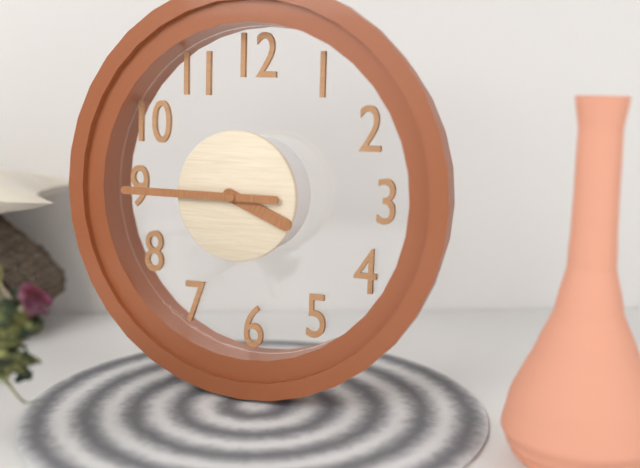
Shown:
**3:45**
